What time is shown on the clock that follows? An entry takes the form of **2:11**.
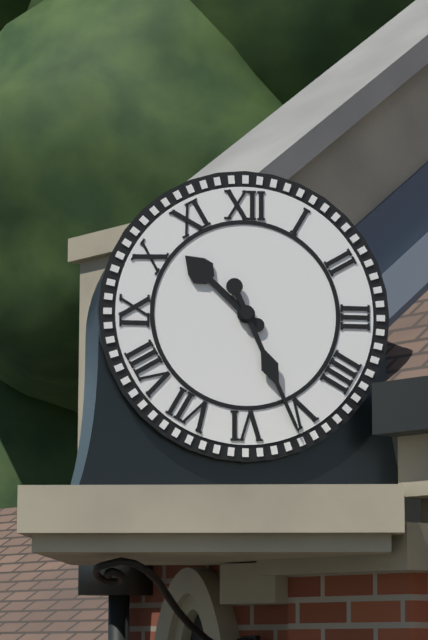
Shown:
**10:26**
